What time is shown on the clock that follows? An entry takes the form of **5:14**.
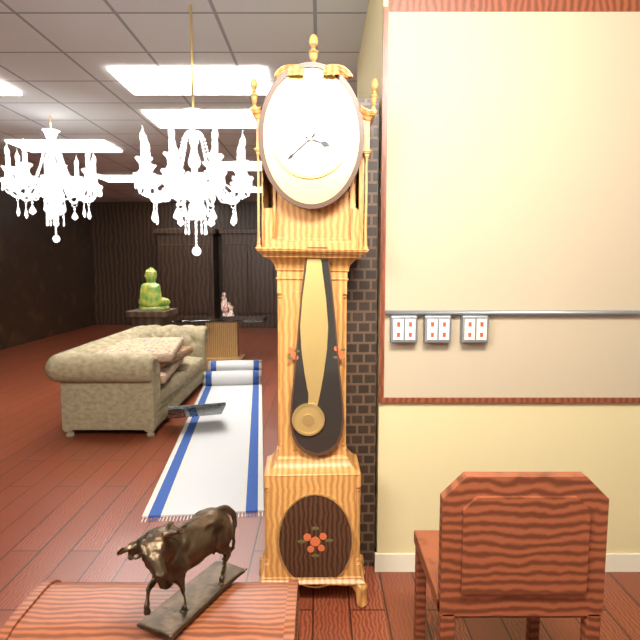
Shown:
**3:38**
